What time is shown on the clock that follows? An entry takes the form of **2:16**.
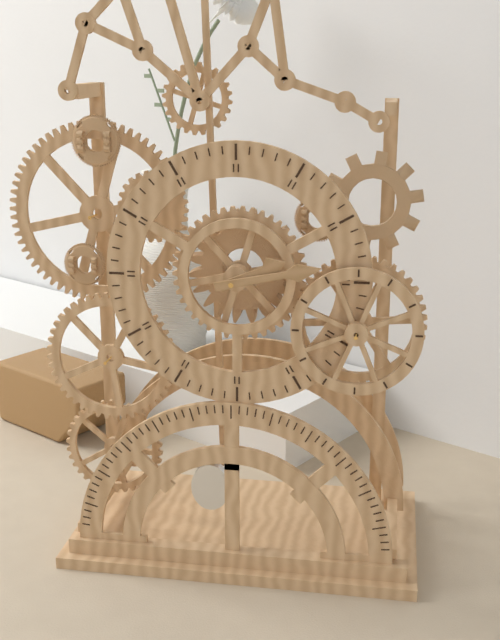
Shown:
**2:13**
